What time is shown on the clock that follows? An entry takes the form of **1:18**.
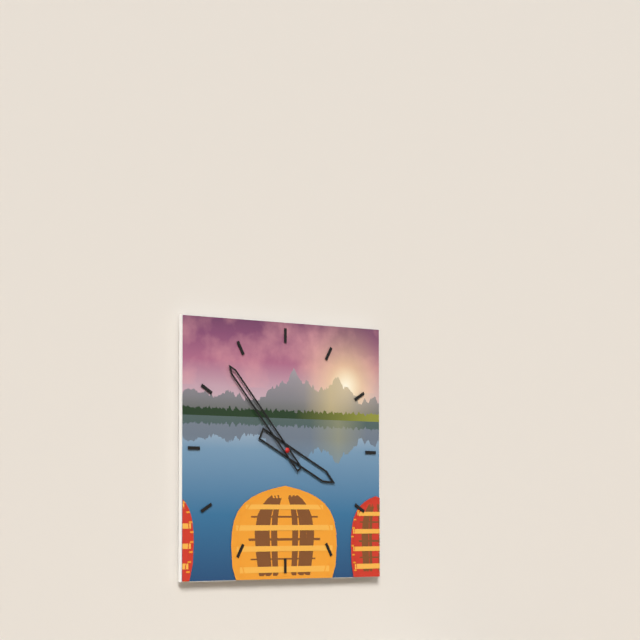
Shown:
**3:53**
